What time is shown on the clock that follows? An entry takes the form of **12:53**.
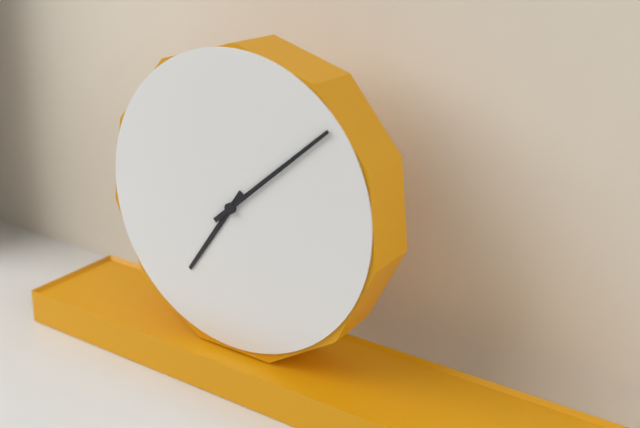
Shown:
**7:08**
